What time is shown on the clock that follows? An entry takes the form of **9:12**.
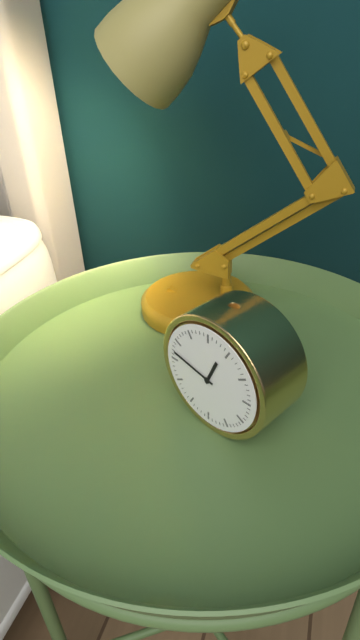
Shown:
**12:47**
